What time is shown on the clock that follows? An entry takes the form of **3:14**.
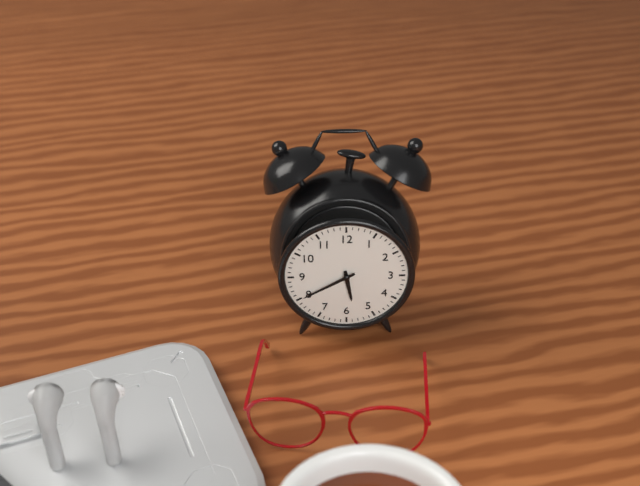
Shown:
**5:40**
